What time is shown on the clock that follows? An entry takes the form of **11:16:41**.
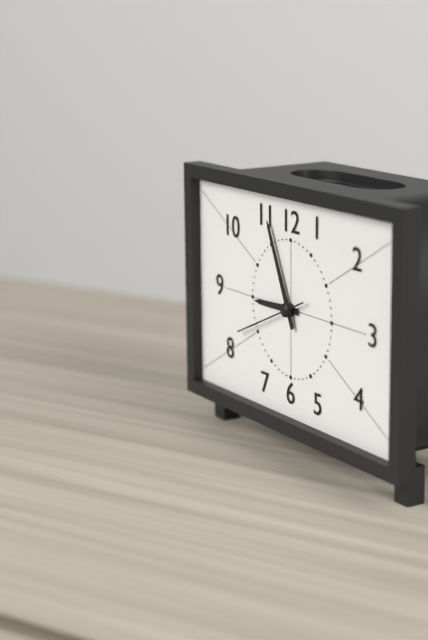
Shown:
**8:56:41**
